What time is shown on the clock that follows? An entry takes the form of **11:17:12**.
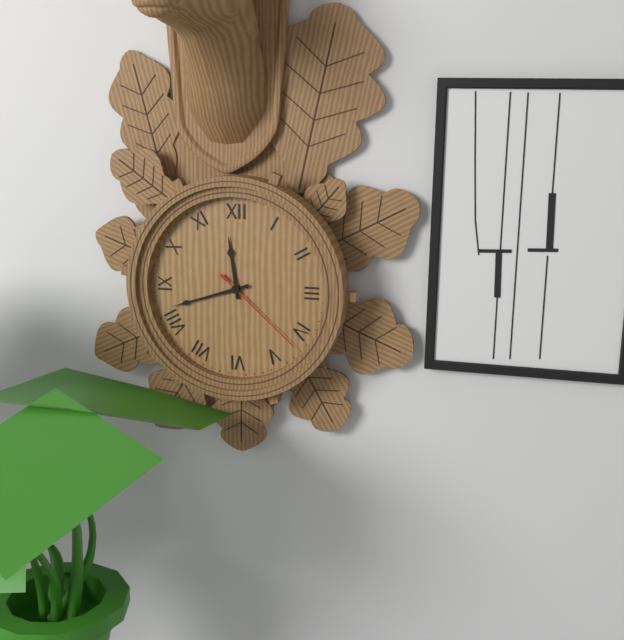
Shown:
**11:42:22**
